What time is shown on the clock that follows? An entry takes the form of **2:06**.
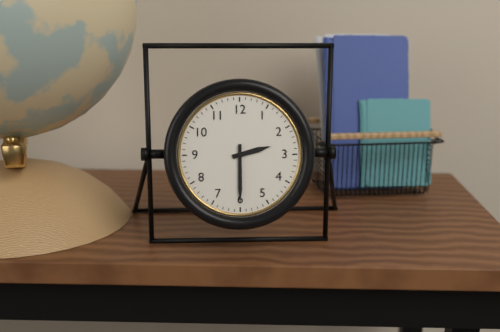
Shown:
**2:30**
